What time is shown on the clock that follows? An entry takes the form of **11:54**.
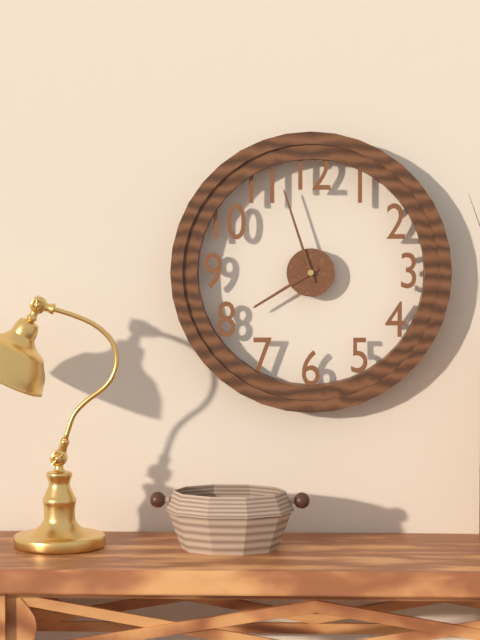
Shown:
**7:57**
